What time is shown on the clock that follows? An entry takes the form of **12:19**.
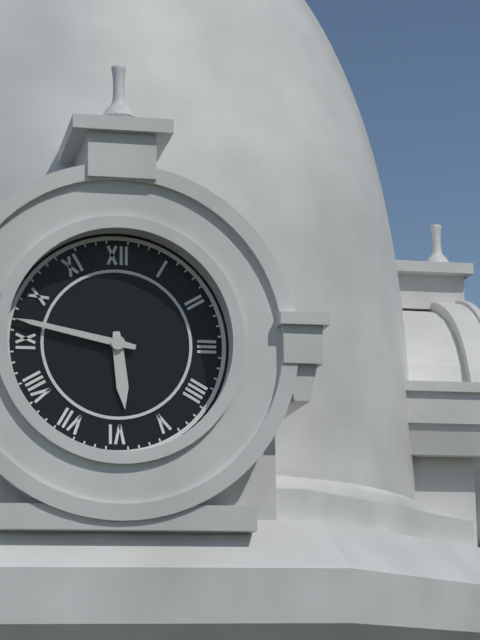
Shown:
**5:47**
